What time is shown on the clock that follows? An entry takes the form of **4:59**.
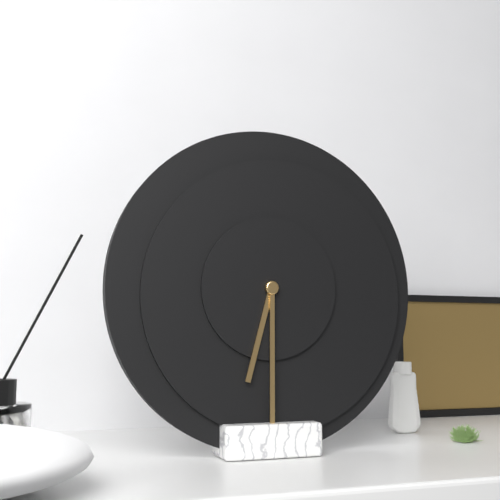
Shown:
**6:30**
